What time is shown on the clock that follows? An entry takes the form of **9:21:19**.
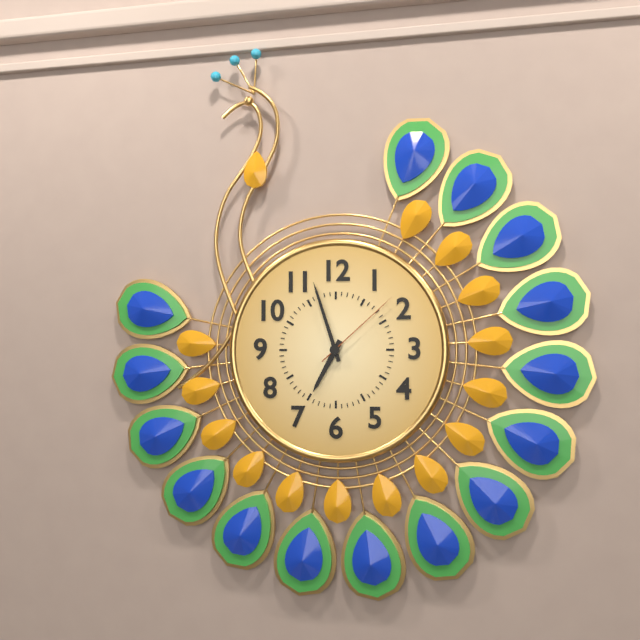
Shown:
**6:57:08**
